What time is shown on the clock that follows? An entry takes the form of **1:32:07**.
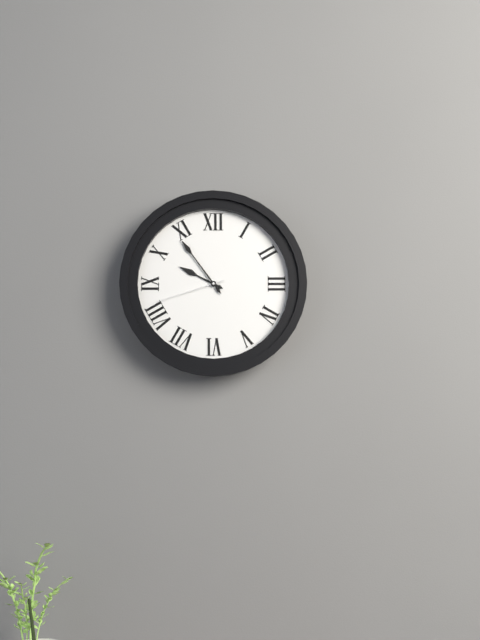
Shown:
**9:54:42**
